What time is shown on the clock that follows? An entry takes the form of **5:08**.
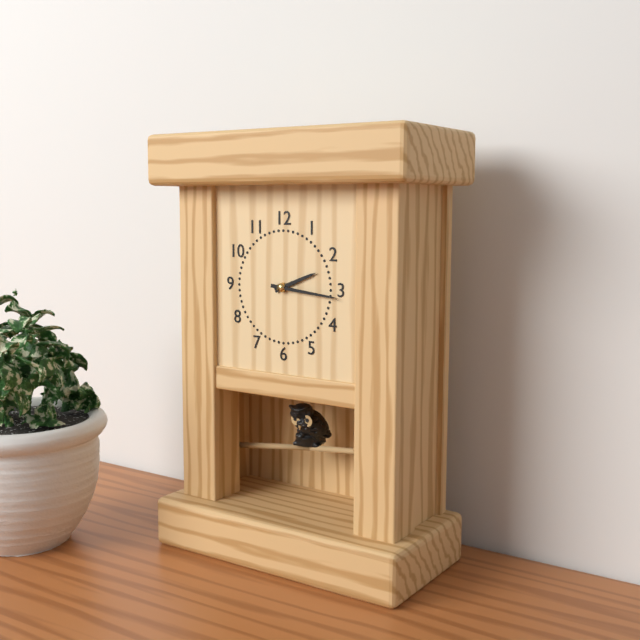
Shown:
**2:16**
